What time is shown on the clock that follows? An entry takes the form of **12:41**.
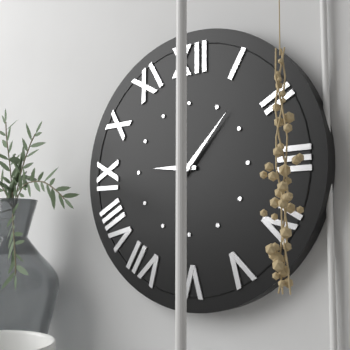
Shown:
**9:07**
